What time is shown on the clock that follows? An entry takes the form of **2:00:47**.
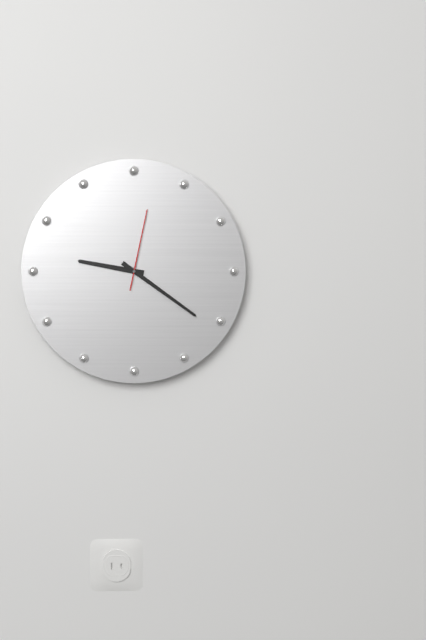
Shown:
**9:21:02**
